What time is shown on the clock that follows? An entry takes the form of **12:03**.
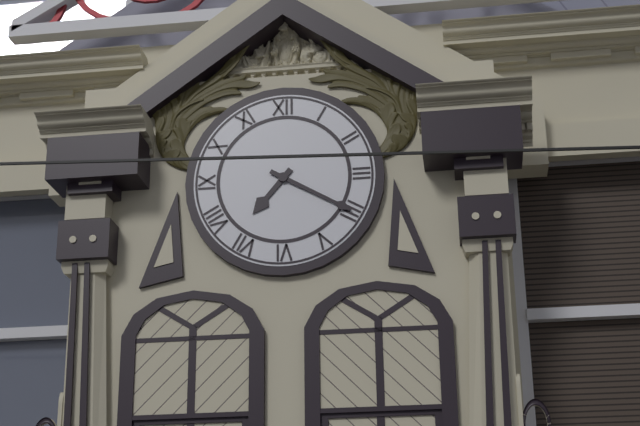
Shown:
**7:20**
